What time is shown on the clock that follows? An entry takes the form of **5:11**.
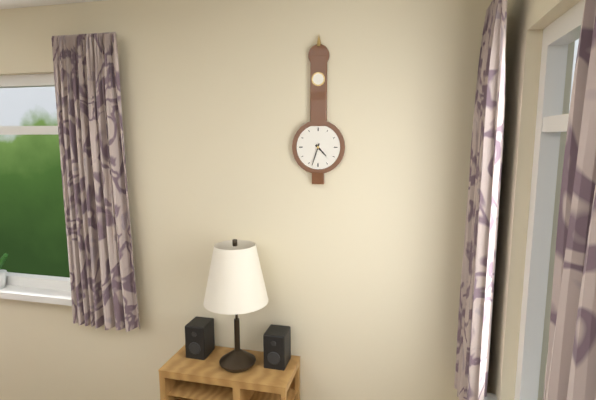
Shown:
**4:33**
